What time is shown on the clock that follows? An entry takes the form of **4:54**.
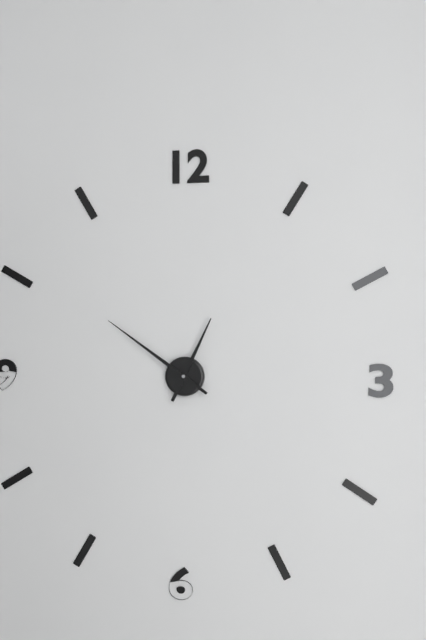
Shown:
**12:51**
